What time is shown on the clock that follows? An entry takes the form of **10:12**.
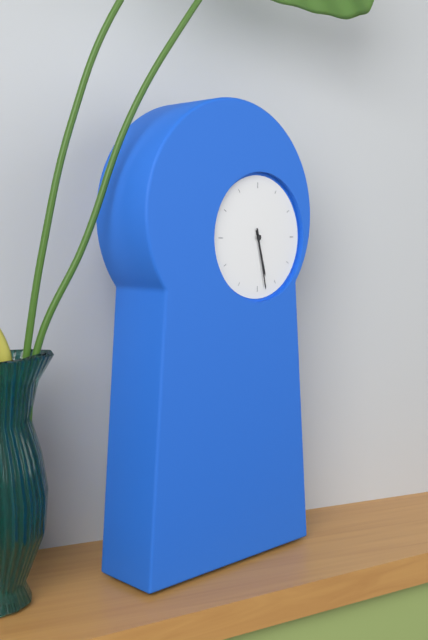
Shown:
**5:28**
